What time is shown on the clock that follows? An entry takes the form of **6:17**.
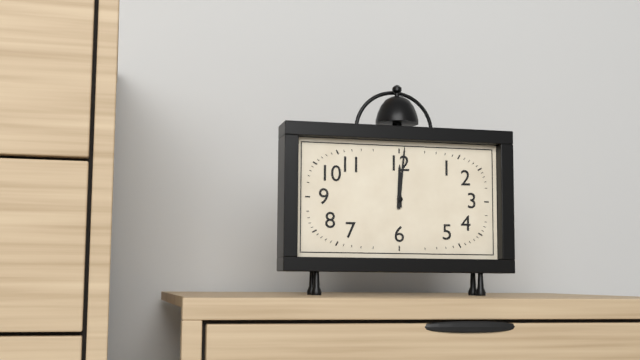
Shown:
**12:01**
